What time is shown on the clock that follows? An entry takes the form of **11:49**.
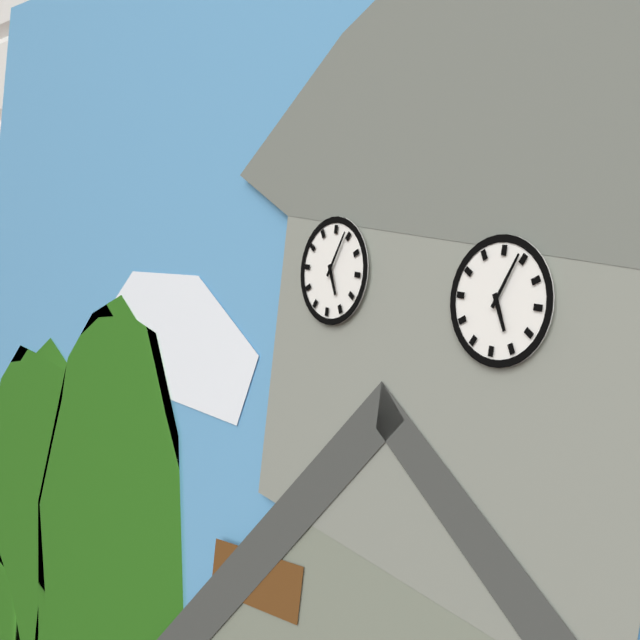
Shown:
**5:04**
